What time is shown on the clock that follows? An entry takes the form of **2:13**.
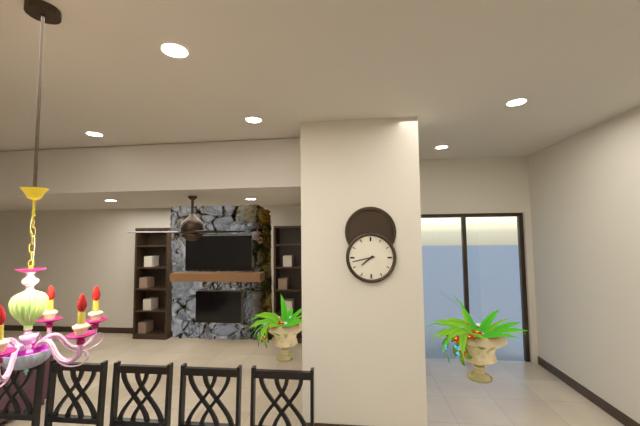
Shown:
**7:43**
